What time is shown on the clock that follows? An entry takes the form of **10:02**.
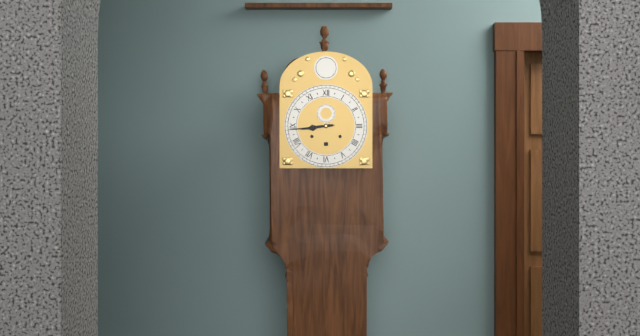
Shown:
**8:44**
